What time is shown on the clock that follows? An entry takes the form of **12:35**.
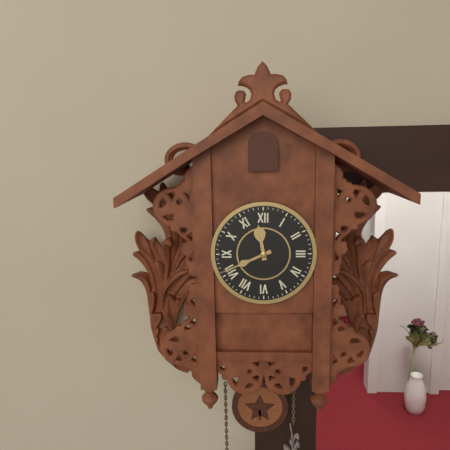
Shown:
**11:41**
